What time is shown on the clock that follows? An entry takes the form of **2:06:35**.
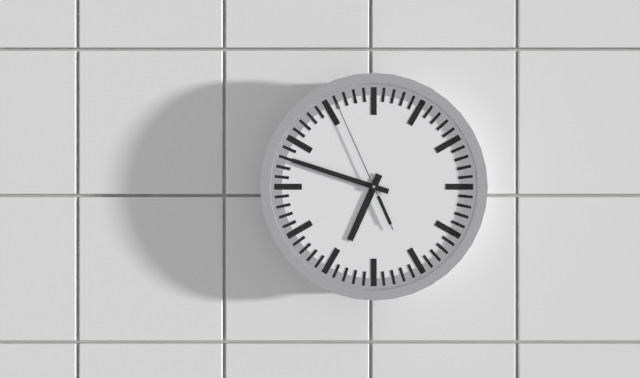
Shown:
**6:48:56**
